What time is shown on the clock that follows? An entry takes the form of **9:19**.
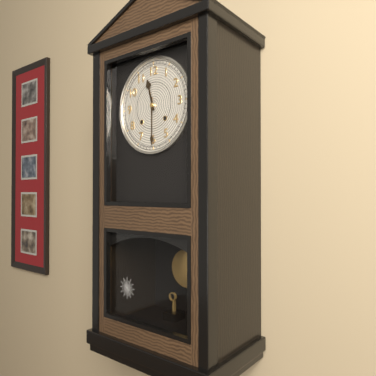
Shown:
**11:30**
